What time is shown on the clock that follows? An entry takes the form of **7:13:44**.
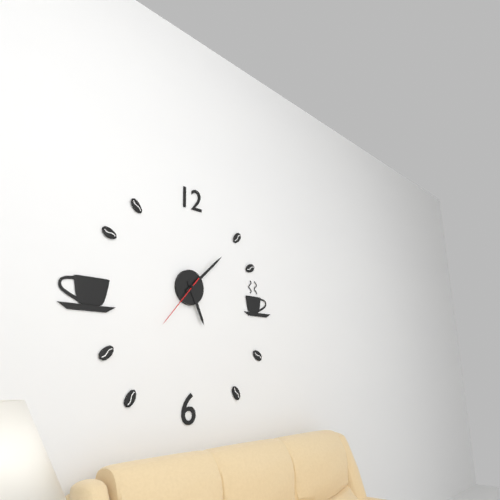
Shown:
**5:08:37**
